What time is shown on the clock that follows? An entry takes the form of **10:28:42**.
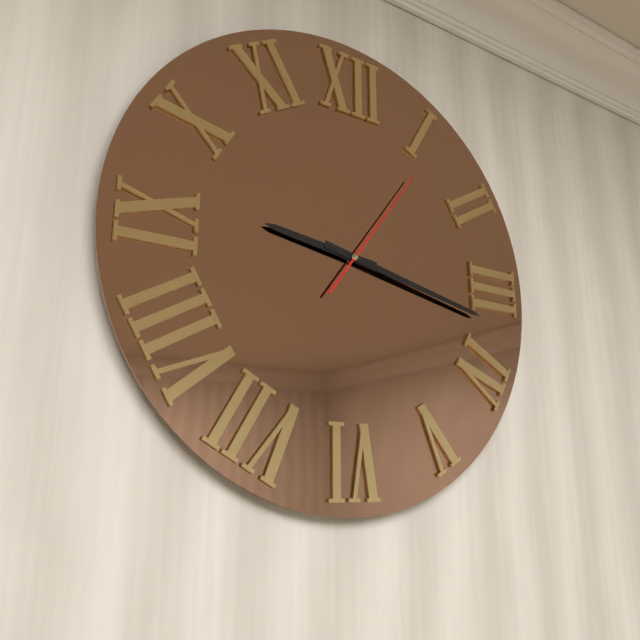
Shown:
**9:17:06**
